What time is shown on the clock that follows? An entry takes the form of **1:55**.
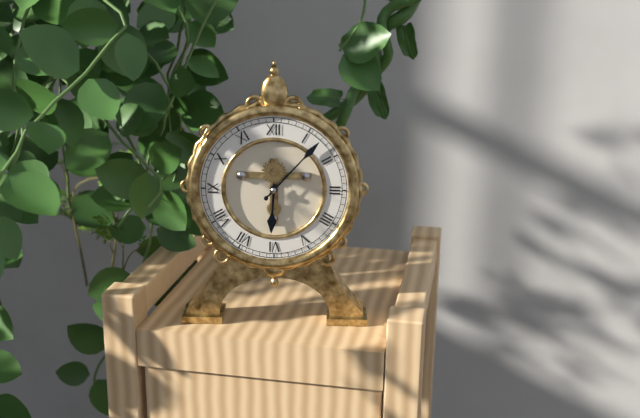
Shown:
**6:07**
